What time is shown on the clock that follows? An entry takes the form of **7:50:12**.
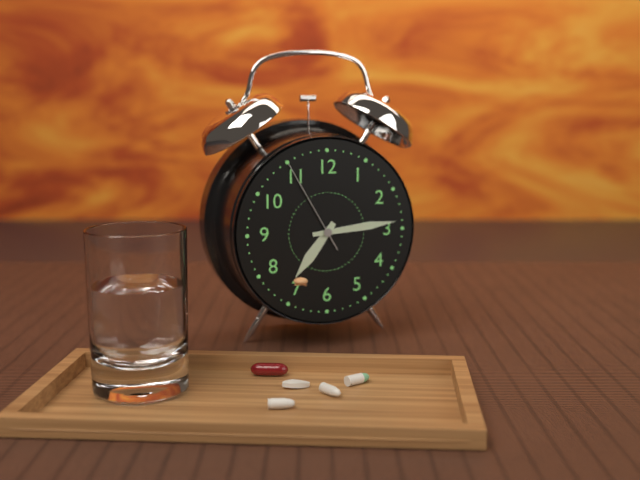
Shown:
**7:14:55**
